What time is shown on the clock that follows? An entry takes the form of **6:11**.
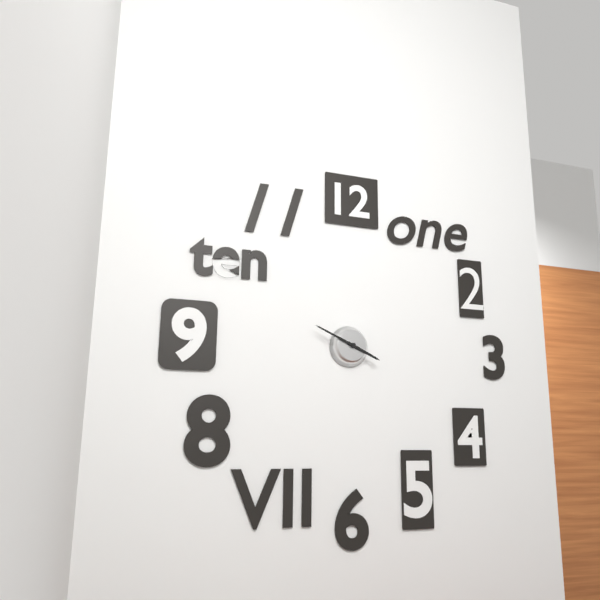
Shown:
**3:49**
